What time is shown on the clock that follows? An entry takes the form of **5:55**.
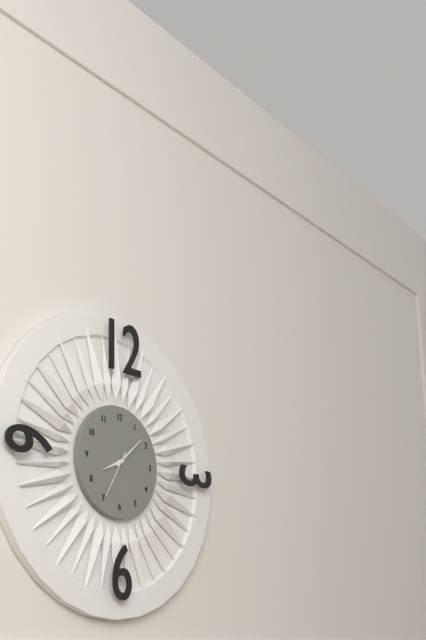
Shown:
**8:08**
